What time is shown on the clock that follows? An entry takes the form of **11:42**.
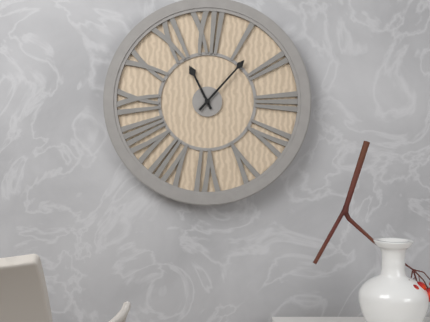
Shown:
**11:07**
